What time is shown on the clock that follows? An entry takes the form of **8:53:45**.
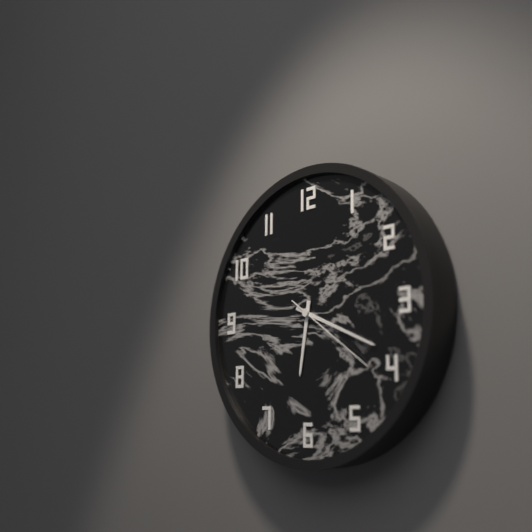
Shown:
**6:19:21**
